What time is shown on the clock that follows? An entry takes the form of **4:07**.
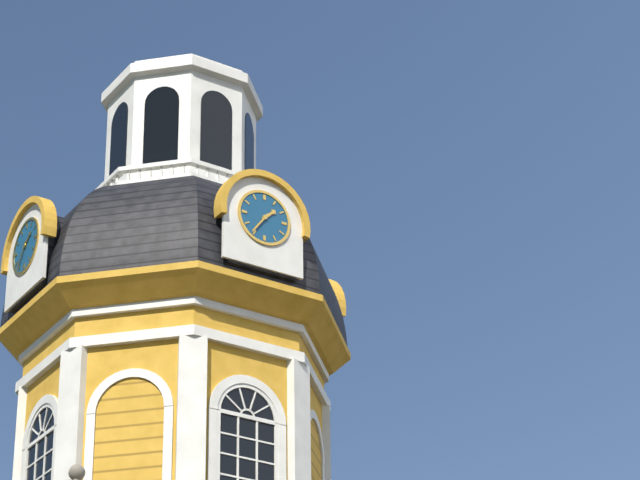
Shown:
**1:36**
